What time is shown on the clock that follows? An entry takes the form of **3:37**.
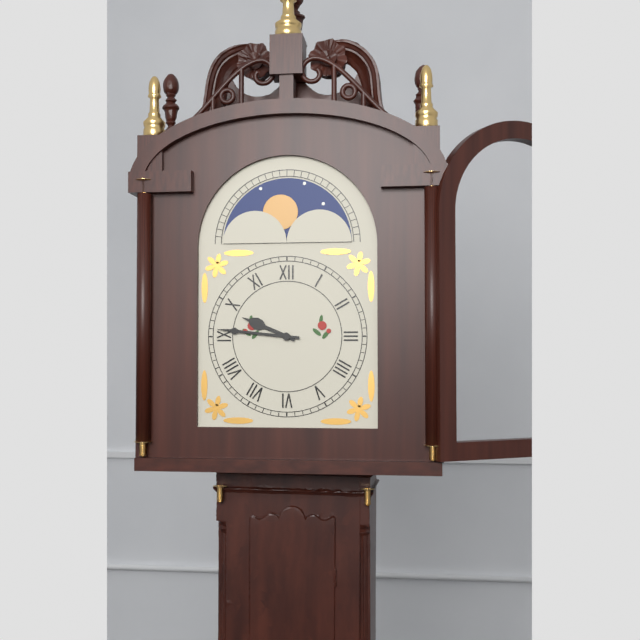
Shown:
**9:46**
